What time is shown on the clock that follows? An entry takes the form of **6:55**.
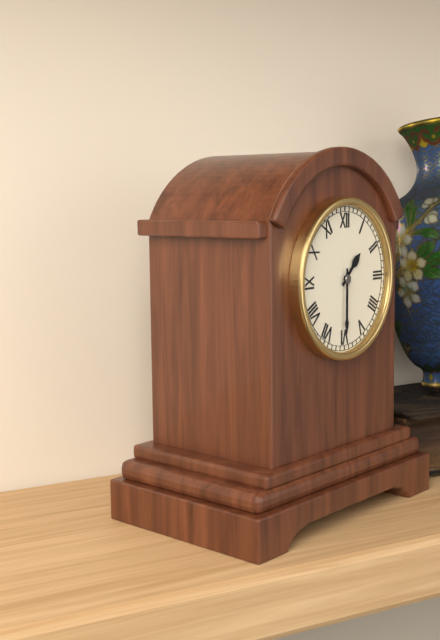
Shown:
**1:30**
